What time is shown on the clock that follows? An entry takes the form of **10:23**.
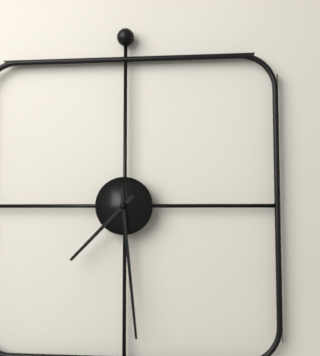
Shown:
**7:29**
